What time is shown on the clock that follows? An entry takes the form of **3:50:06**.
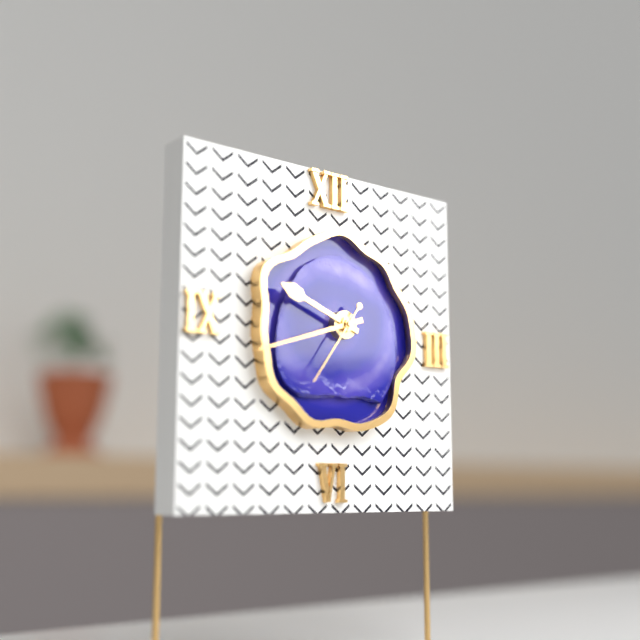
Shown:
**9:42:36**
